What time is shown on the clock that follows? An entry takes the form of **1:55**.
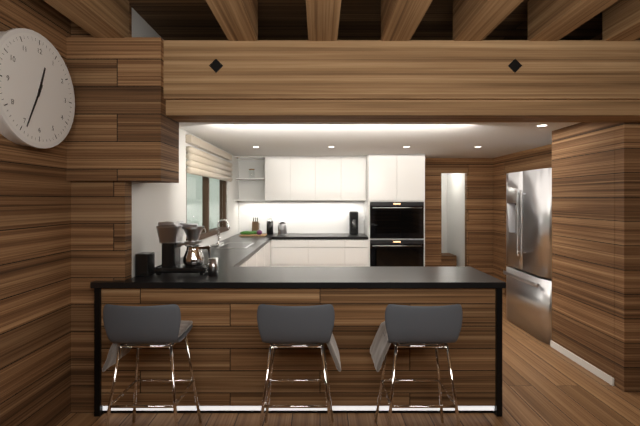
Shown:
**12:34**
